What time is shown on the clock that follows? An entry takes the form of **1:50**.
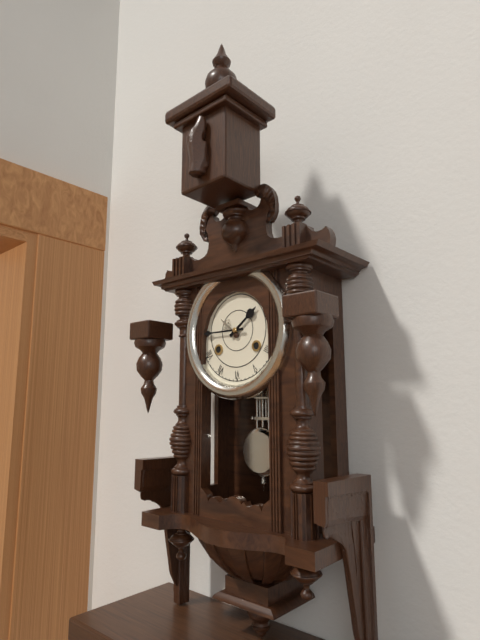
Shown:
**1:45**
